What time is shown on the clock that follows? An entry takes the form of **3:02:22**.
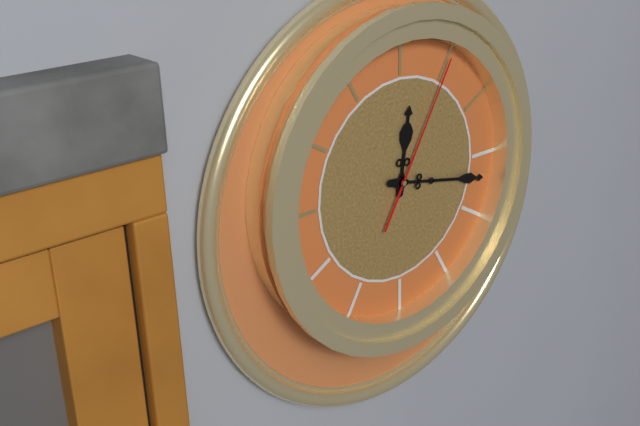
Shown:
**12:17:05**
